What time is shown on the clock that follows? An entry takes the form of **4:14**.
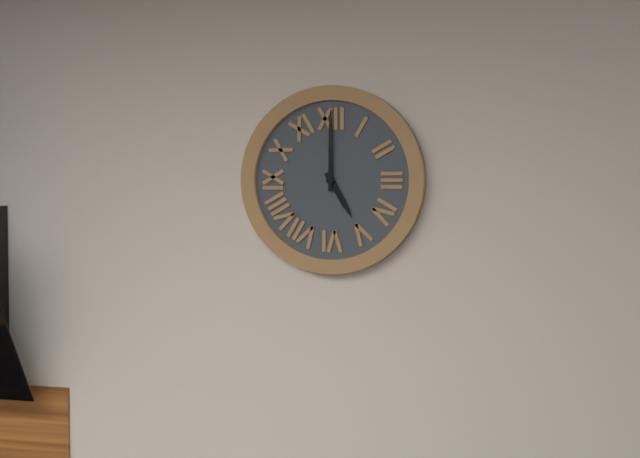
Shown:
**5:00**
